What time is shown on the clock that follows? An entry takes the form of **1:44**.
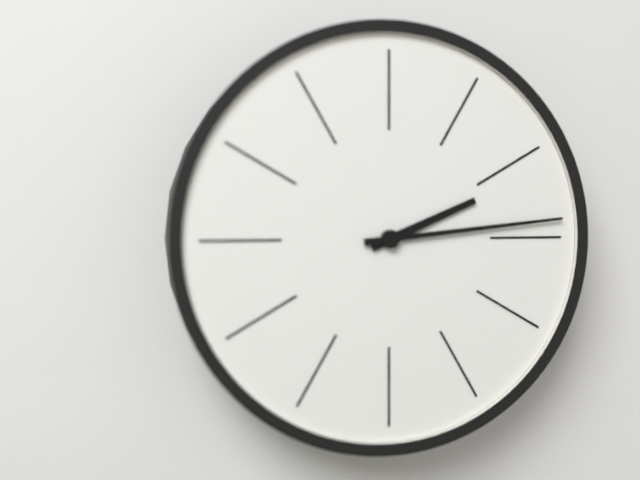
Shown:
**2:14**
